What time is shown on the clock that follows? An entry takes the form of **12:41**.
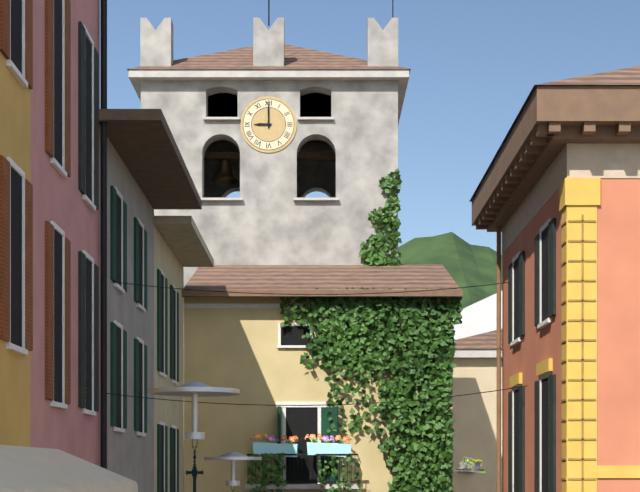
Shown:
**9:00**
